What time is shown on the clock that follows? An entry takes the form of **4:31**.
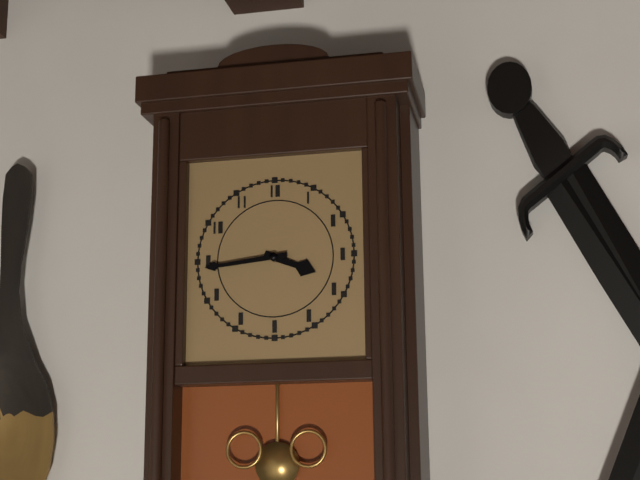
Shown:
**3:44**
